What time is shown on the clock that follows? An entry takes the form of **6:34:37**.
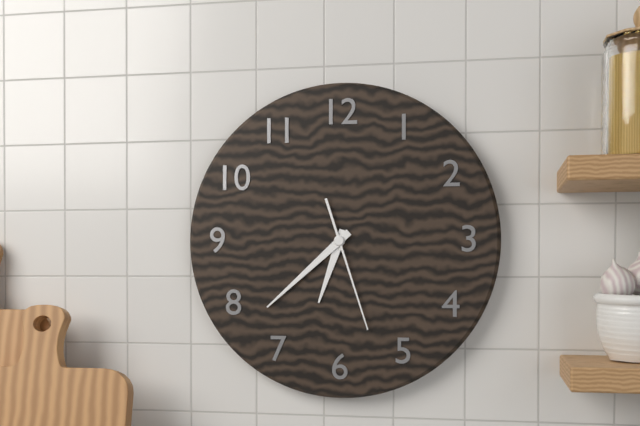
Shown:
**6:38:27**
